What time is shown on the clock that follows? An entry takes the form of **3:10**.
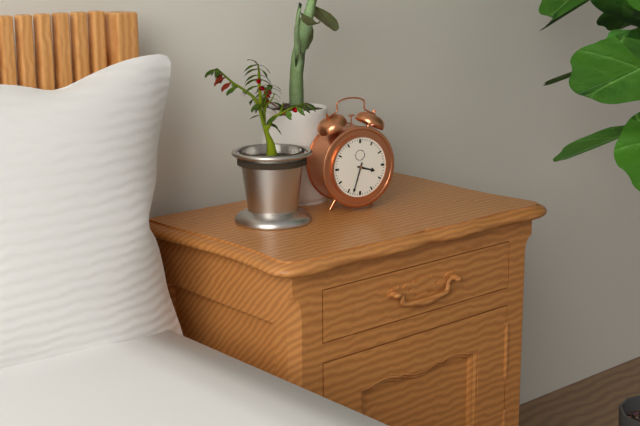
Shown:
**3:33**
